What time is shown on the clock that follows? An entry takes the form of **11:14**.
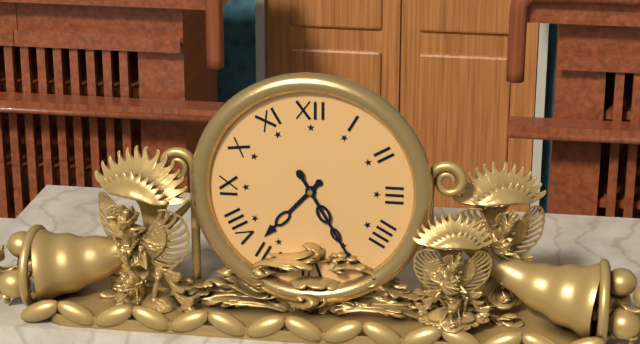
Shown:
**7:25**
